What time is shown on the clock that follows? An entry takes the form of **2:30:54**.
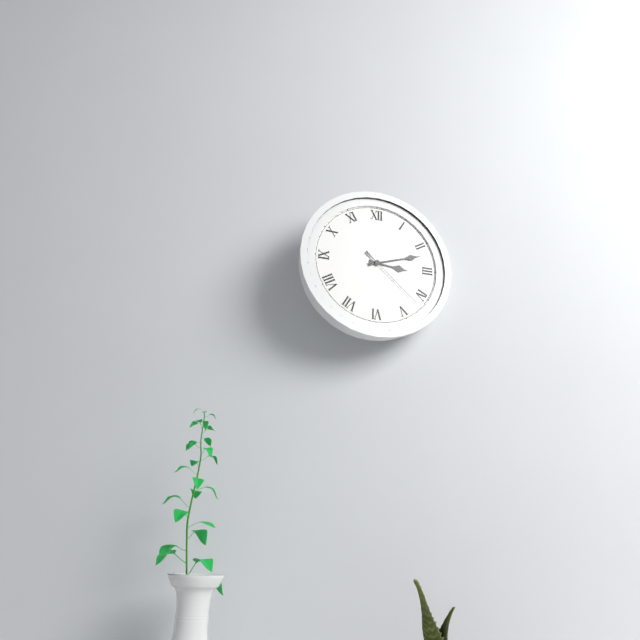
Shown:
**3:12:22**
